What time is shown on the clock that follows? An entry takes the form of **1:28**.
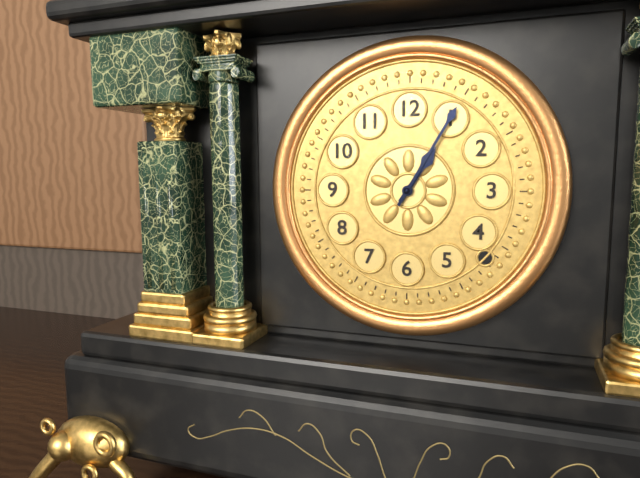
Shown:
**1:05**
